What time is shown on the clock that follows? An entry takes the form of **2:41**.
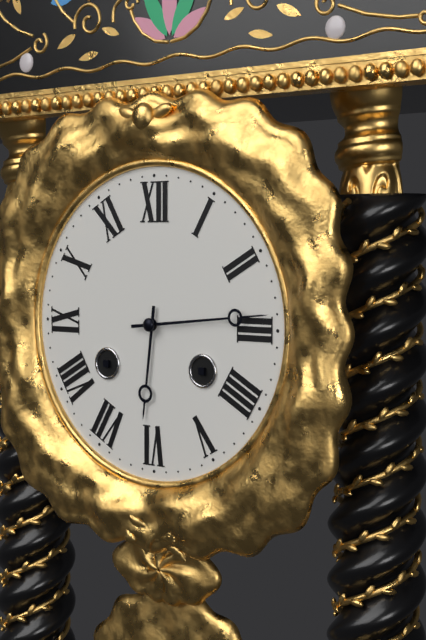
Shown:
**6:14**
